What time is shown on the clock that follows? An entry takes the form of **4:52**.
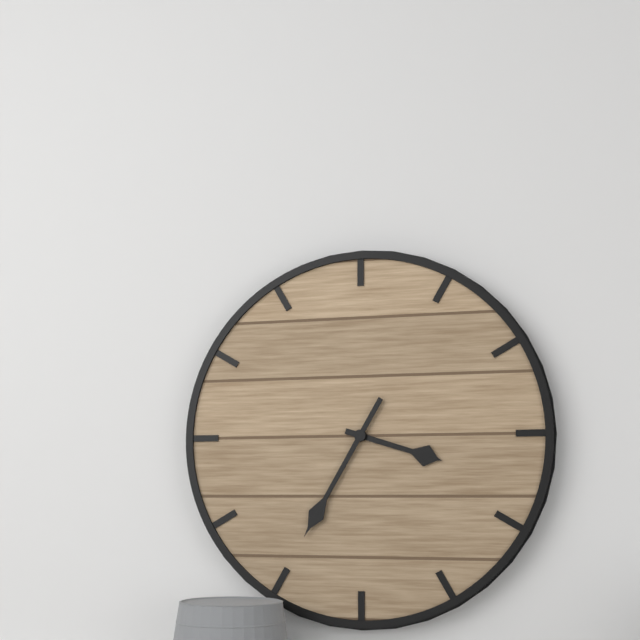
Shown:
**3:35**
